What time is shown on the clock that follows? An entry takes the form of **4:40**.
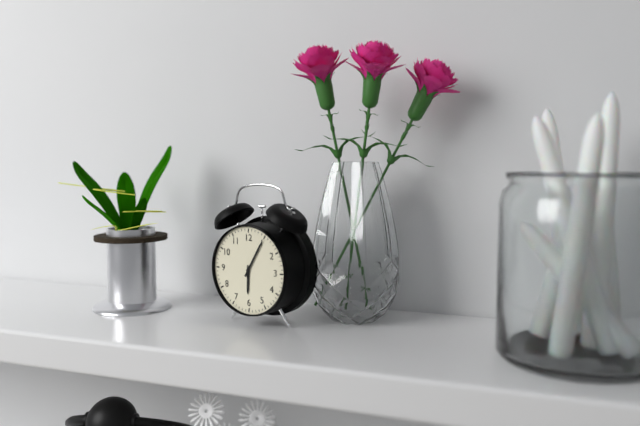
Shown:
**6:05**
